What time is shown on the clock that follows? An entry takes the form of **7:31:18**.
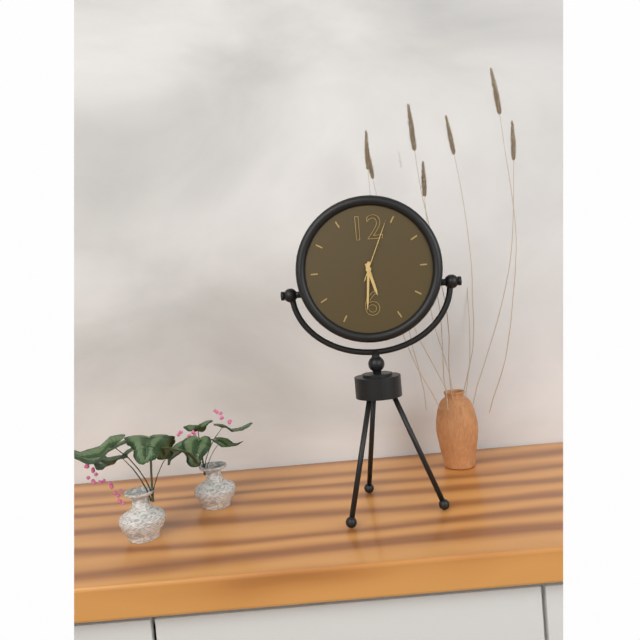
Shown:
**5:31:04**
